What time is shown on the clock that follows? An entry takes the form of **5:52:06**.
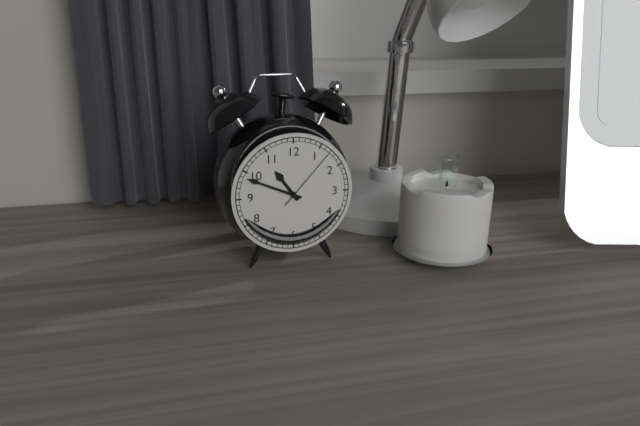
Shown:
**10:49:07**
